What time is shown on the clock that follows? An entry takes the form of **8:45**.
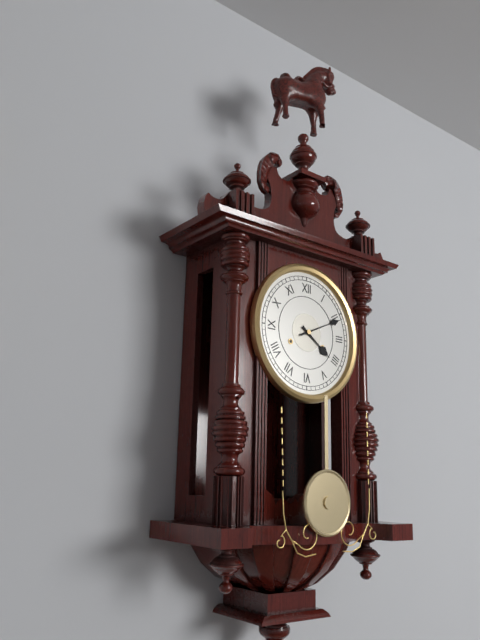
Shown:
**4:11**
